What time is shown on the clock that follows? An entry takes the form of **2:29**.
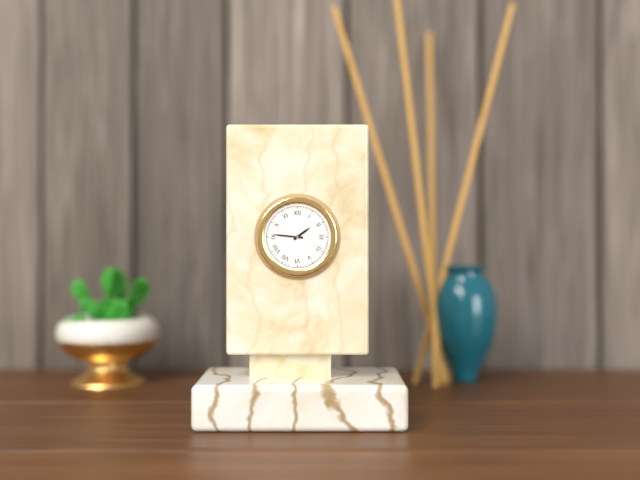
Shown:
**1:46**
